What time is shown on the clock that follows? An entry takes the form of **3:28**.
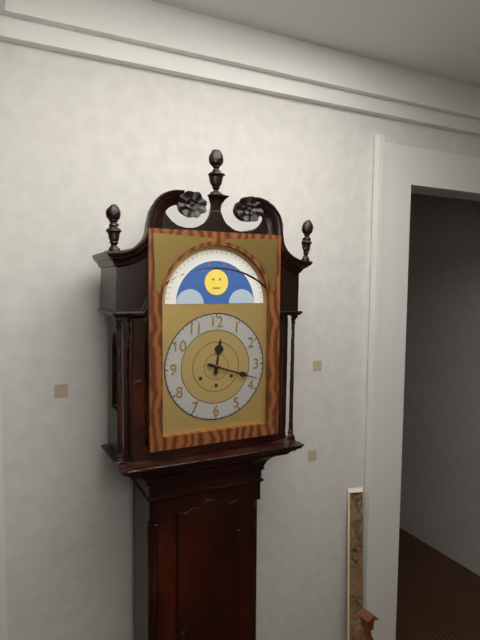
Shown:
**12:18**
